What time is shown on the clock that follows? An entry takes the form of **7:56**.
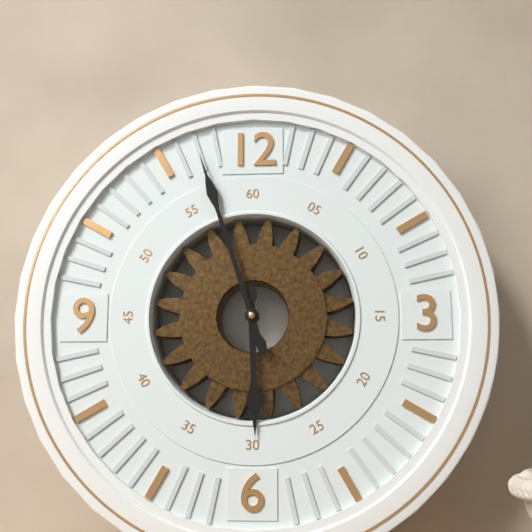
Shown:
**5:57**
